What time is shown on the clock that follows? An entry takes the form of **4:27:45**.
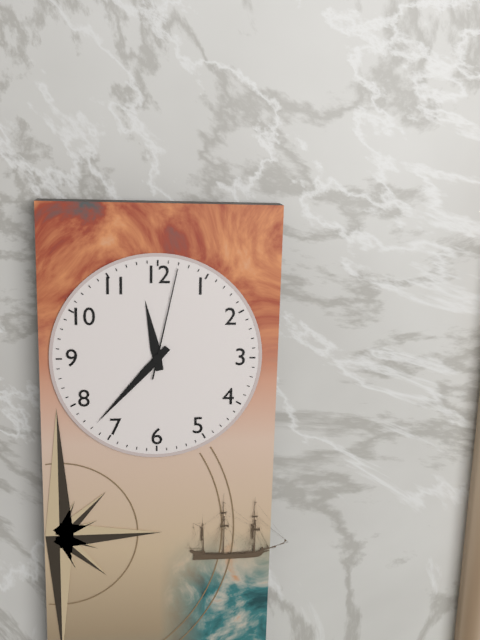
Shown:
**11:37:02**
